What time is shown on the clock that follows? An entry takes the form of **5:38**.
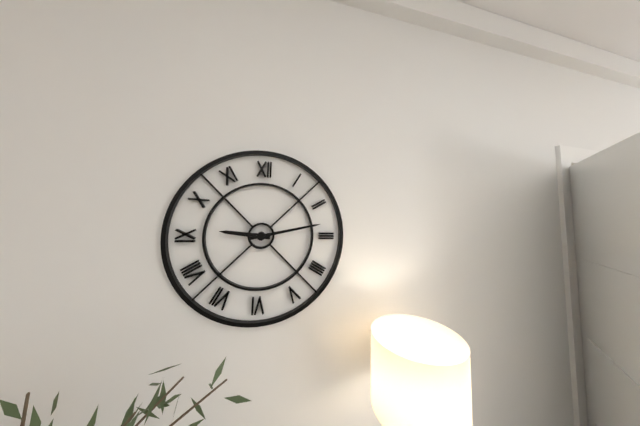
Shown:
**9:13**
